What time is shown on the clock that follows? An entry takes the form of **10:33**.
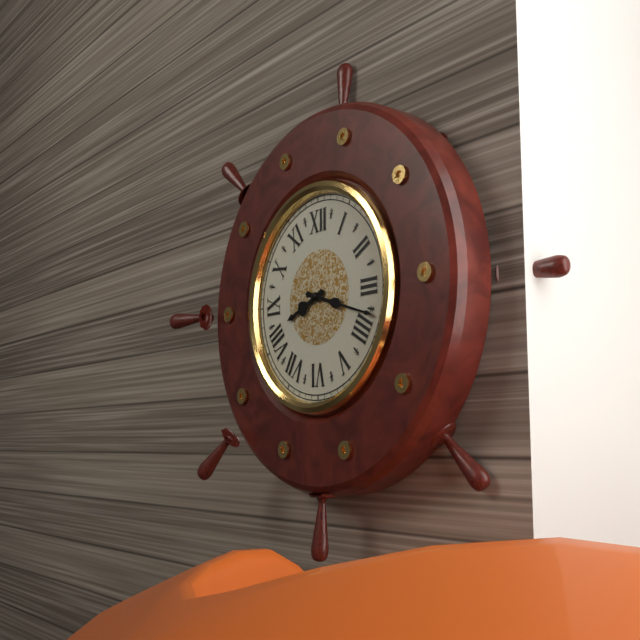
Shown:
**8:18**
